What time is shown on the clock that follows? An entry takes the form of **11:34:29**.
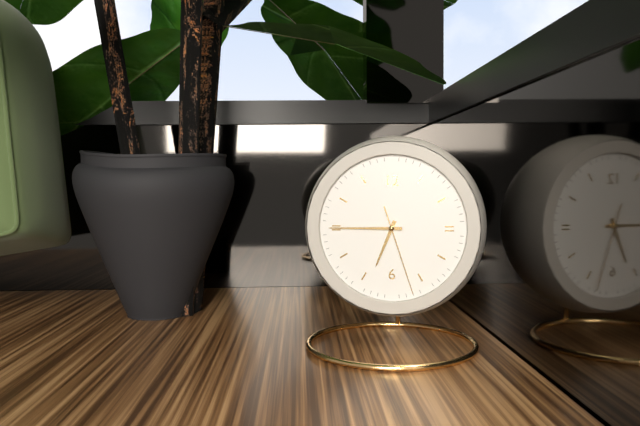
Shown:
**6:45:27**
